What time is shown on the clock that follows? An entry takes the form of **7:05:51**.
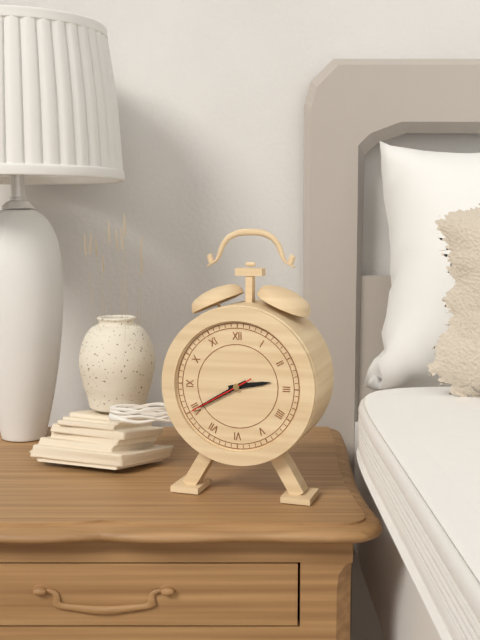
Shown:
**2:40:40**
